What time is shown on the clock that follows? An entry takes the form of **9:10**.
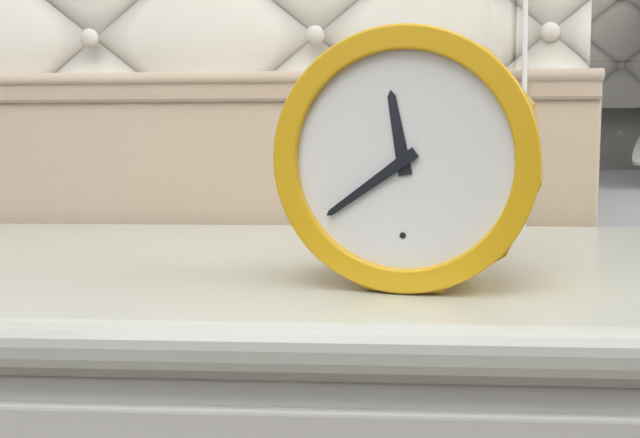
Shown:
**11:39**
